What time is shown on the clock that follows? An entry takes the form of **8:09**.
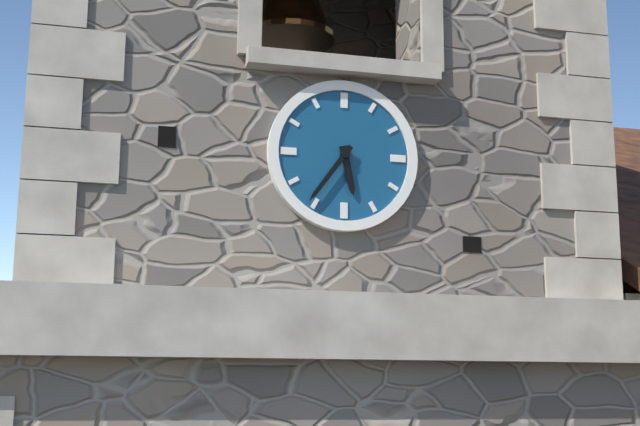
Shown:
**5:36**
